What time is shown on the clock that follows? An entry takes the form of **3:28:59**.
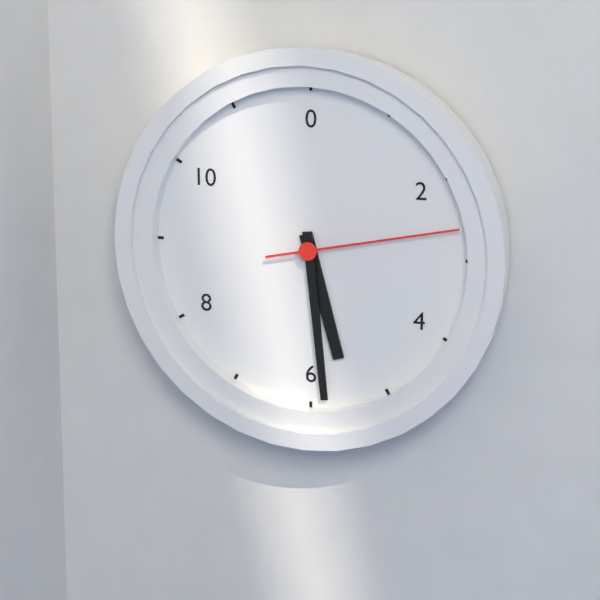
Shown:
**5:29:13**
